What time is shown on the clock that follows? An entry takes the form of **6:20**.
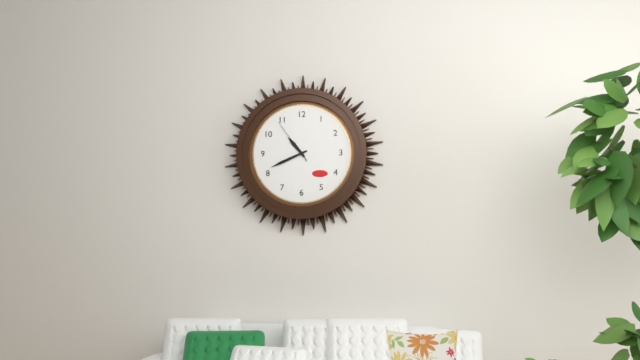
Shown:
**10:41**
